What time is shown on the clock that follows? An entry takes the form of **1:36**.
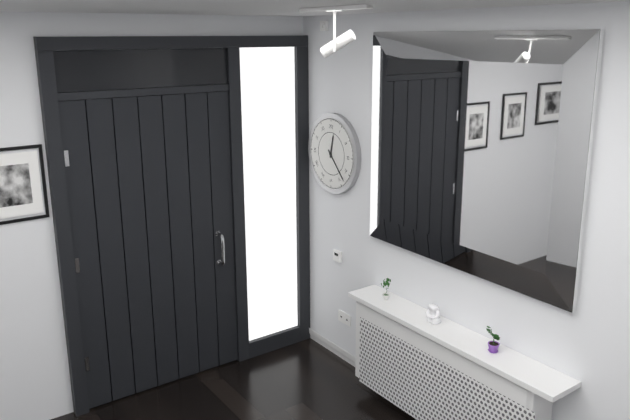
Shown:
**12:23**
